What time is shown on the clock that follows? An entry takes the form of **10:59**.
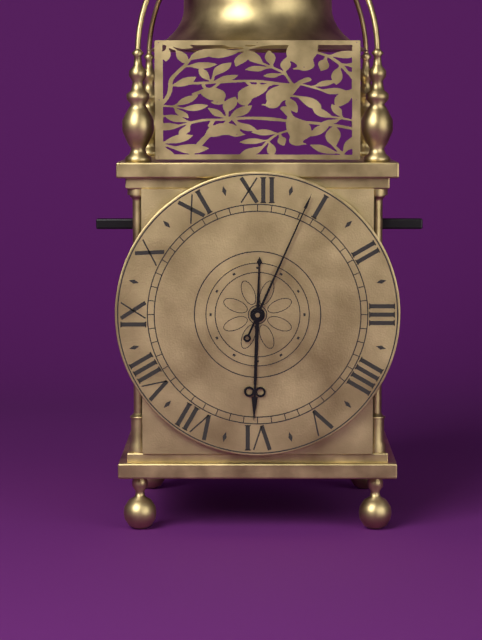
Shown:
**6:04**
